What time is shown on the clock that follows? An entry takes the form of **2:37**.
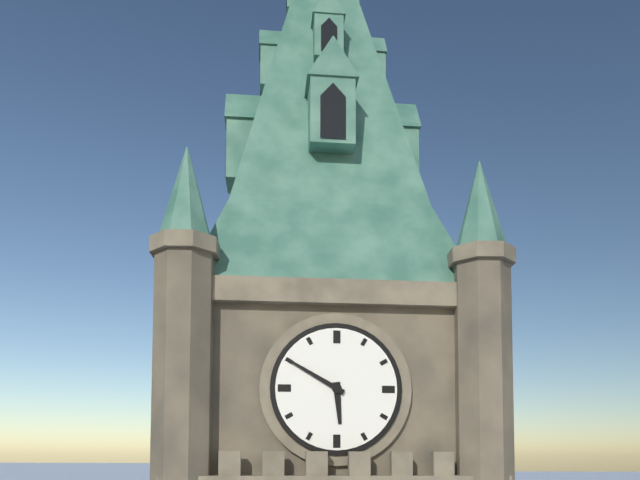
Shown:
**5:50**
